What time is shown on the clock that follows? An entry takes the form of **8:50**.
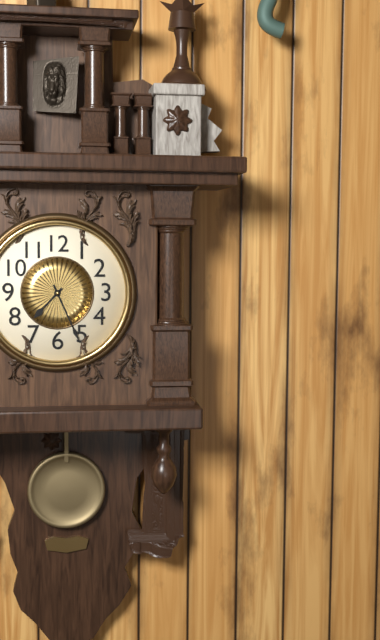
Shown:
**7:26**
